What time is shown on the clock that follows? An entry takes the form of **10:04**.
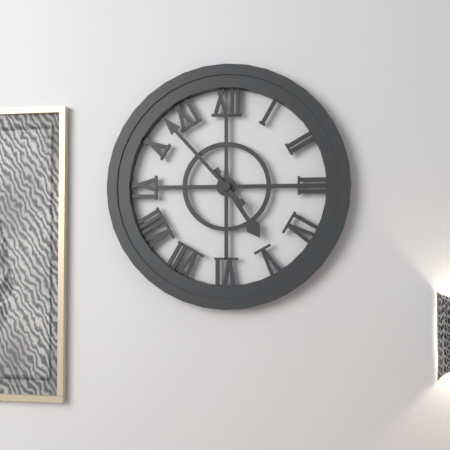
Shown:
**4:53**
